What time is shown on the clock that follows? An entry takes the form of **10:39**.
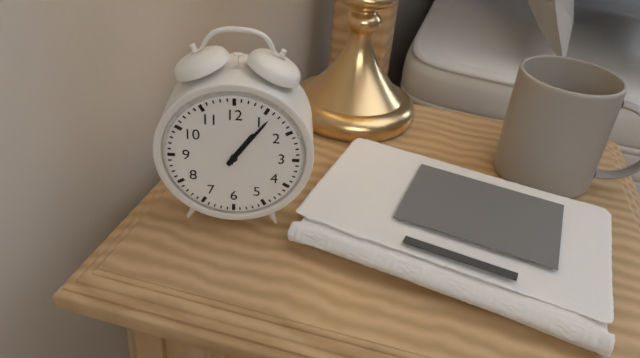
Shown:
**1:06**
